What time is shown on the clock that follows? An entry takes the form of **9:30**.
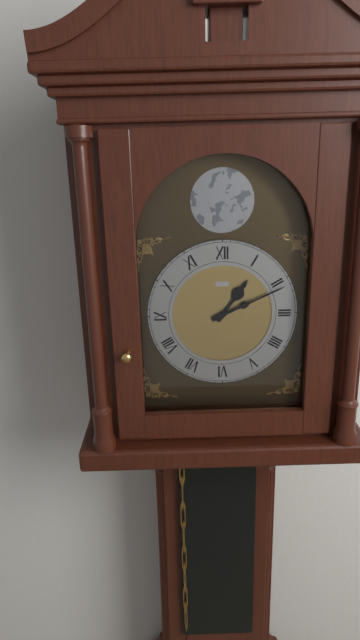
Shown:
**1:11**
